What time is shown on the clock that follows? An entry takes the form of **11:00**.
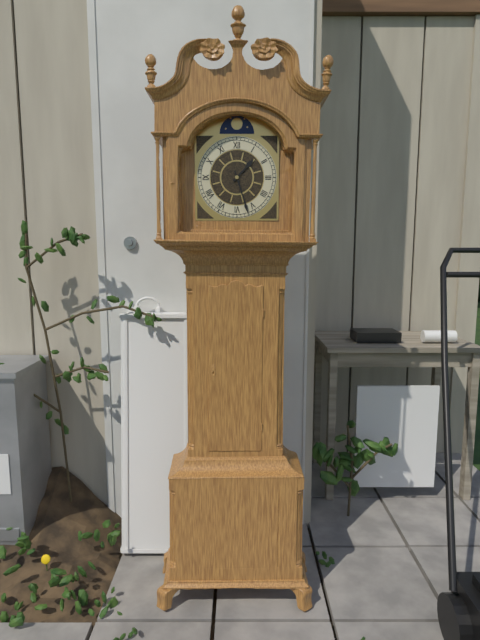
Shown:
**1:27**
